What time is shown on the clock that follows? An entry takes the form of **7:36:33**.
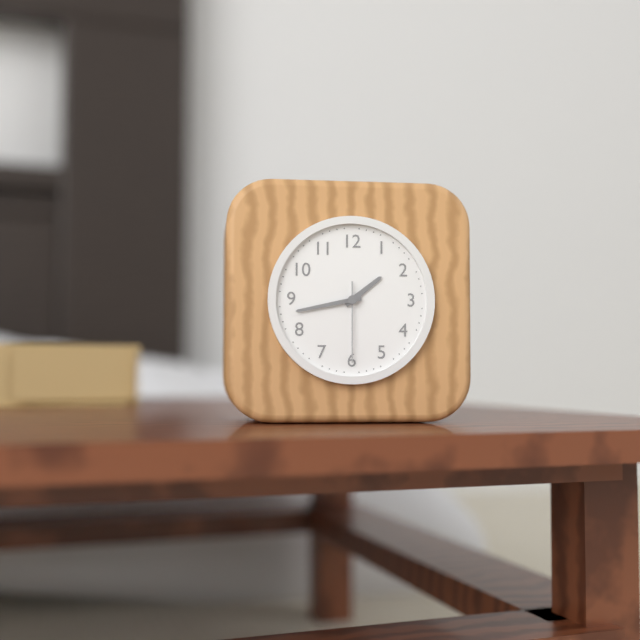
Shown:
**1:43:30**
